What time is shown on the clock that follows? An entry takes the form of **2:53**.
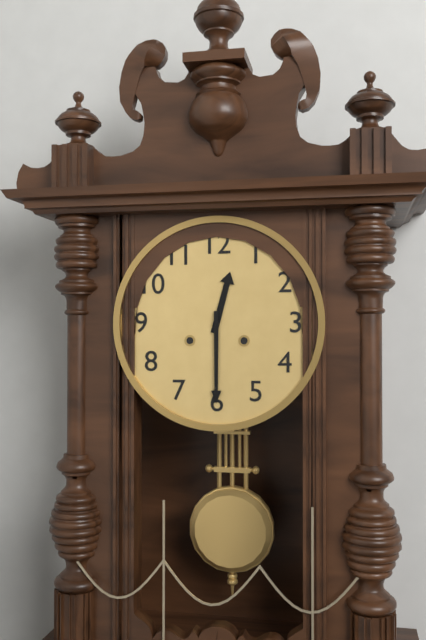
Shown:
**12:30**
